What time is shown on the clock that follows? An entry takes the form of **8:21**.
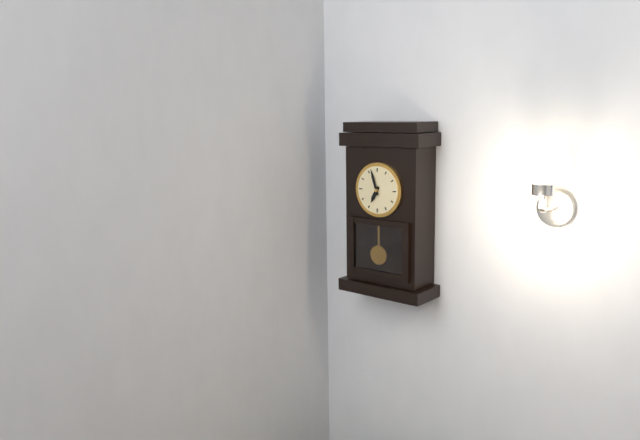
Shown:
**6:57**
